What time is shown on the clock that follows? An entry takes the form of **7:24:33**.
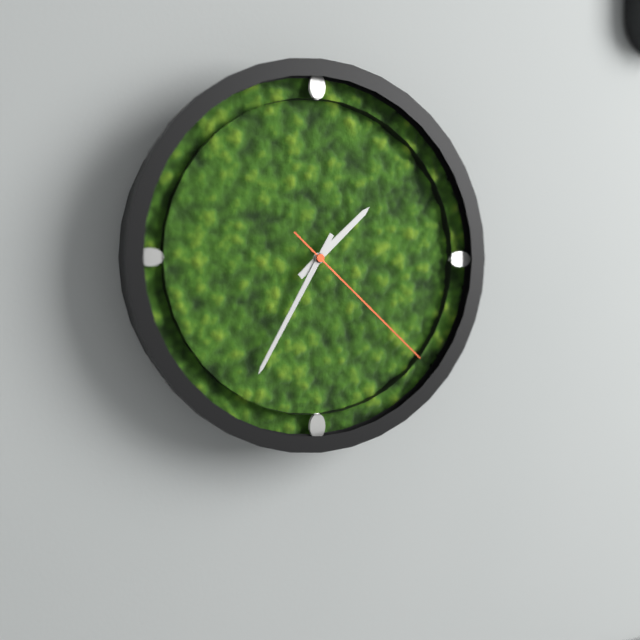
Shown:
**1:35:22**
